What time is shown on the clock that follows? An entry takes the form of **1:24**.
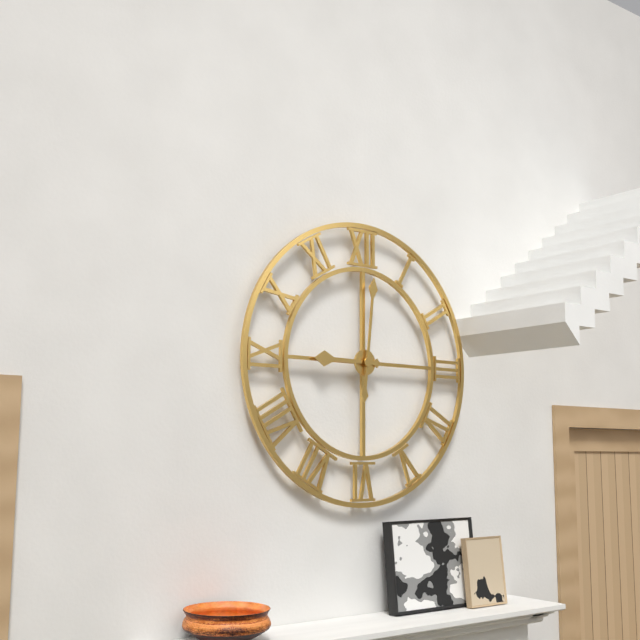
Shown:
**9:01**
